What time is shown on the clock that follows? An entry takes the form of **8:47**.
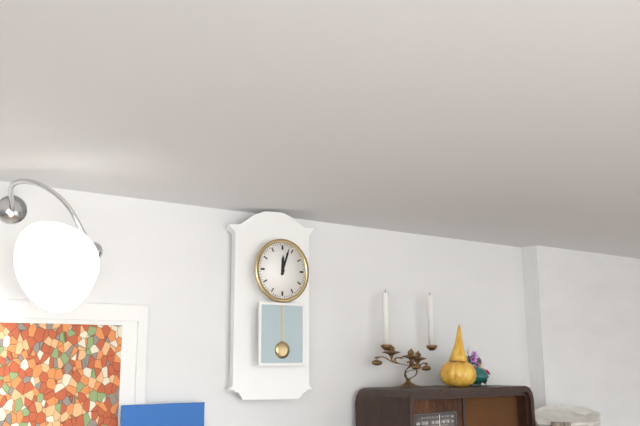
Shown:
**12:03**
